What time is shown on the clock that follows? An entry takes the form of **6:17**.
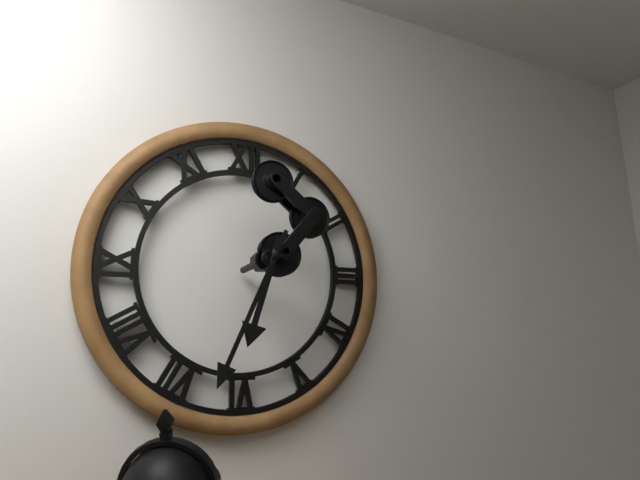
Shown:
**6:34**
